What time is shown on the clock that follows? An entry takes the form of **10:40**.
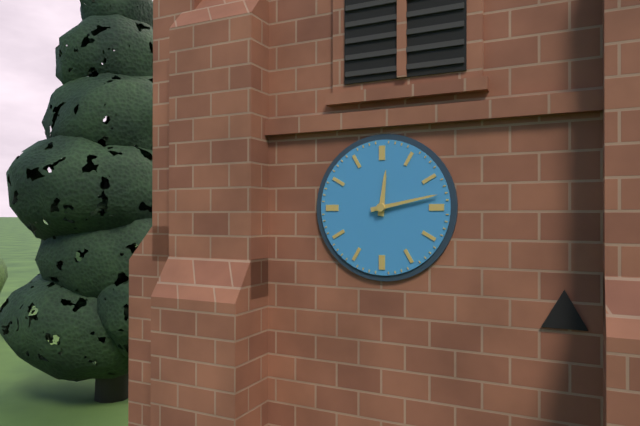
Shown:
**12:13**
